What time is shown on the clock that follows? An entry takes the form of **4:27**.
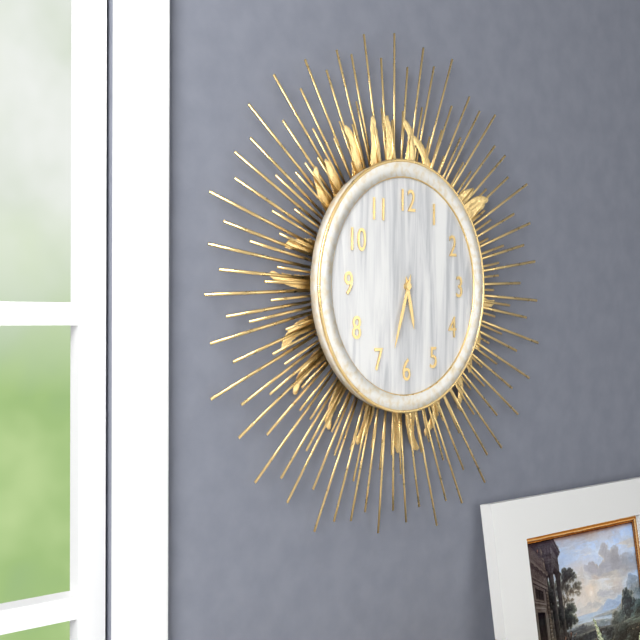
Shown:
**5:33**
